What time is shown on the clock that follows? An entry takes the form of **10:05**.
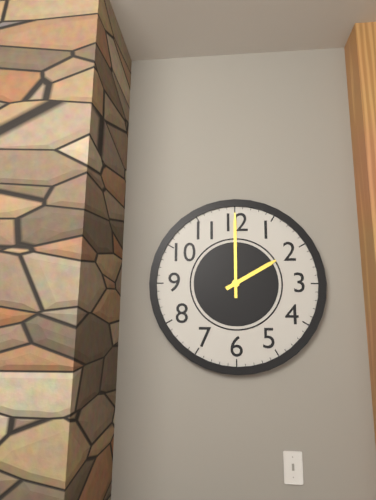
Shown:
**2:00**
